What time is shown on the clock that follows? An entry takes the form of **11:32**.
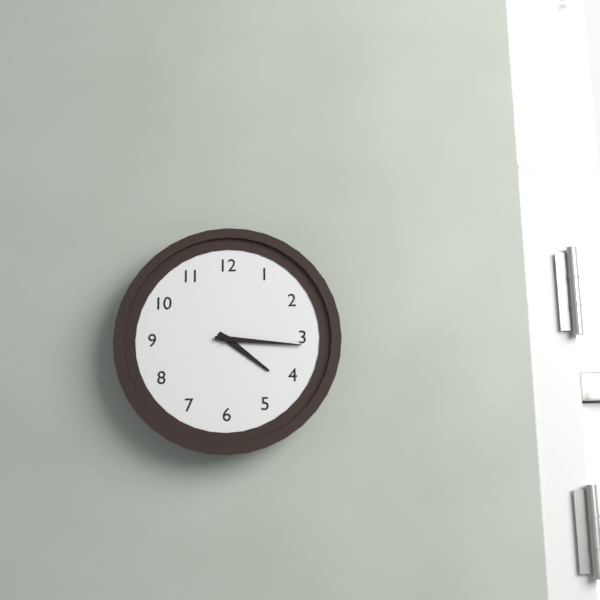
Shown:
**4:16**
